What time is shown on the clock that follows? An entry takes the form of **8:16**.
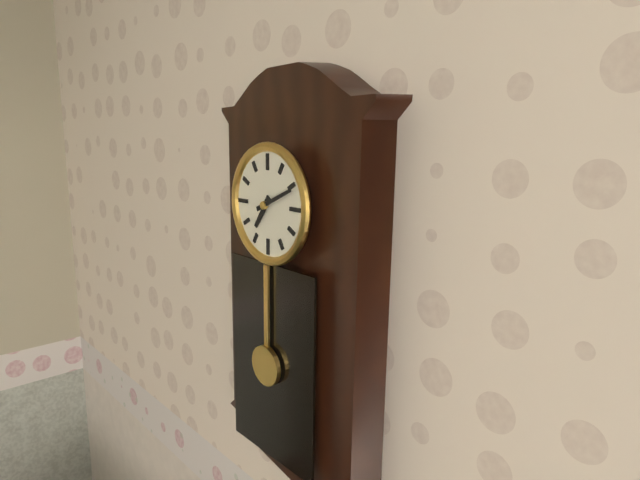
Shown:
**7:11**
